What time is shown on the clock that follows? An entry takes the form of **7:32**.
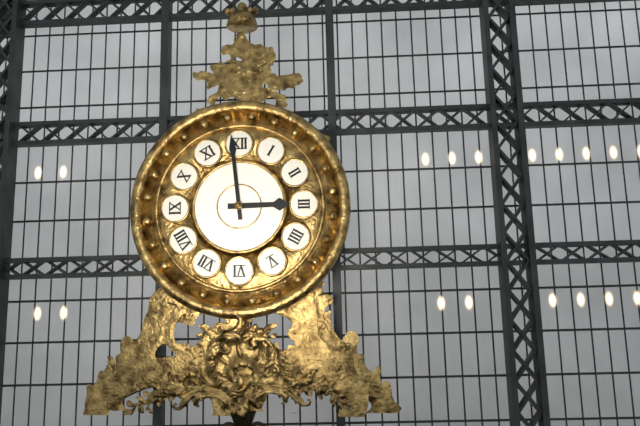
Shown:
**2:59**
